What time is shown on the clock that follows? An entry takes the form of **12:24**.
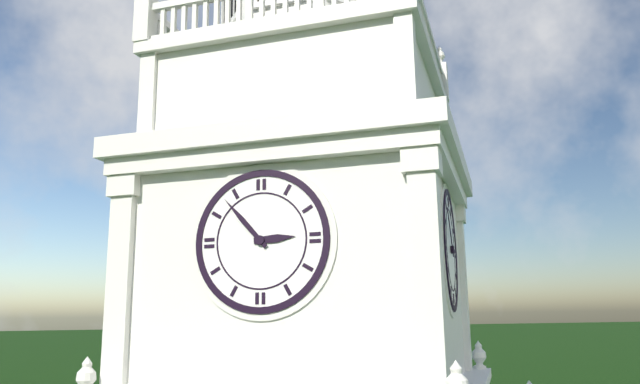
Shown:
**2:53**
